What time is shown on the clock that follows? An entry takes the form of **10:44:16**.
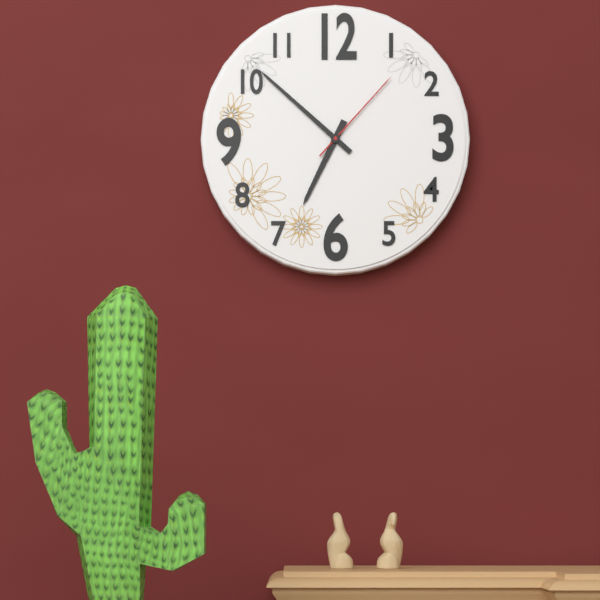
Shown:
**6:52:07**
